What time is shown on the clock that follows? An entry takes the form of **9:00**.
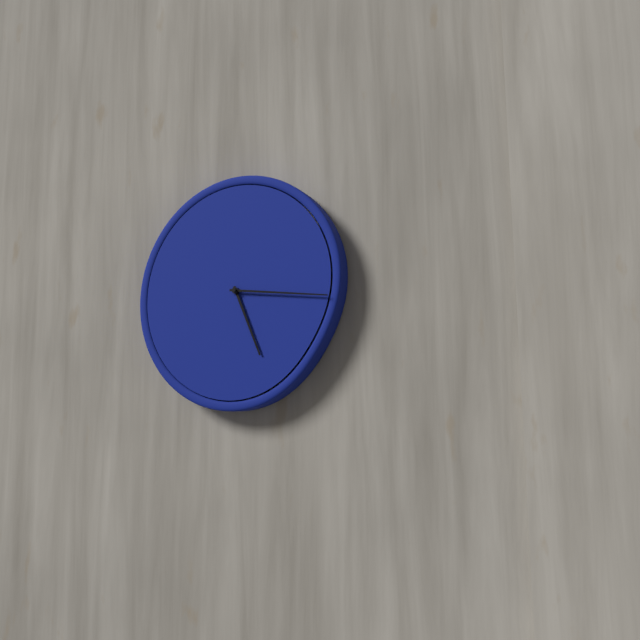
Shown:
**5:16**
